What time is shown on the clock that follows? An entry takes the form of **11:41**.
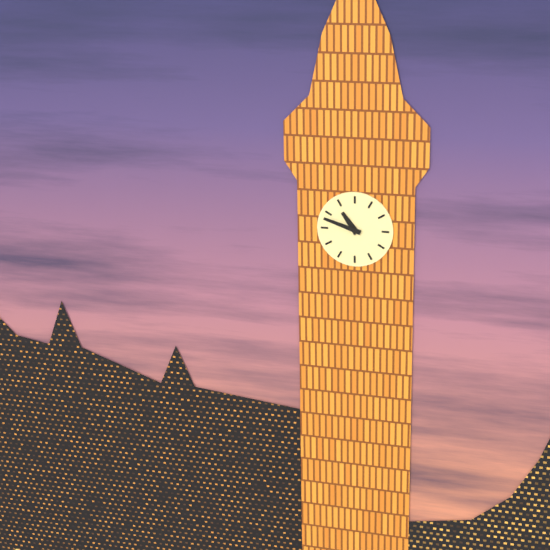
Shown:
**10:48**
